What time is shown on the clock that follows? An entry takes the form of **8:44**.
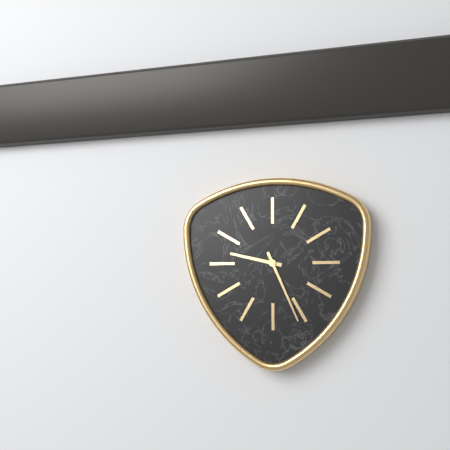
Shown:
**9:26**
